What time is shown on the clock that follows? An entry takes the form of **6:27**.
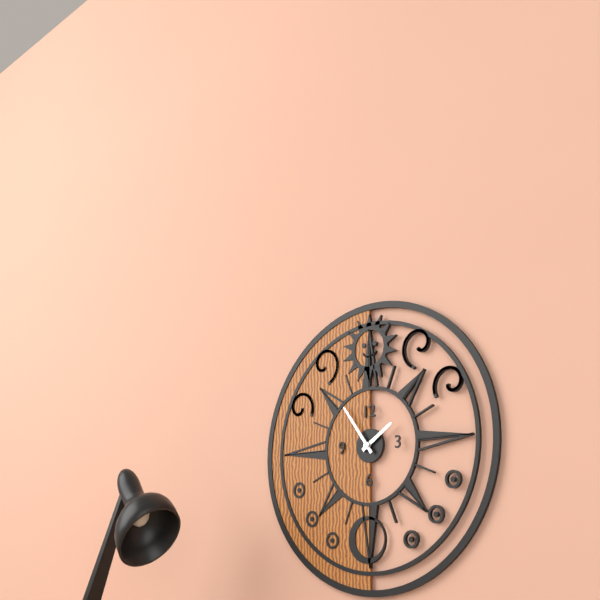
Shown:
**1:54**
